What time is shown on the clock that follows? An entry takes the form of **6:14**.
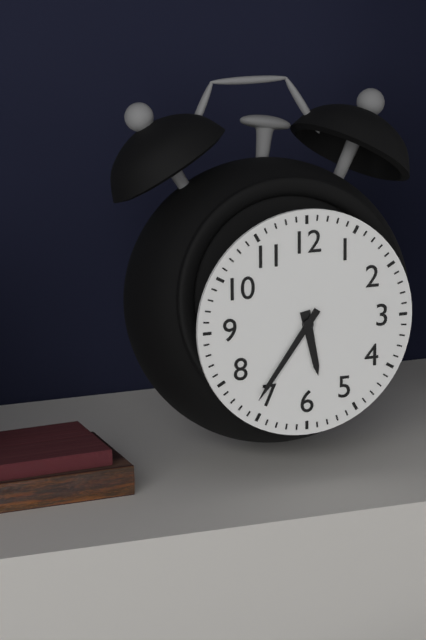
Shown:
**5:36**
